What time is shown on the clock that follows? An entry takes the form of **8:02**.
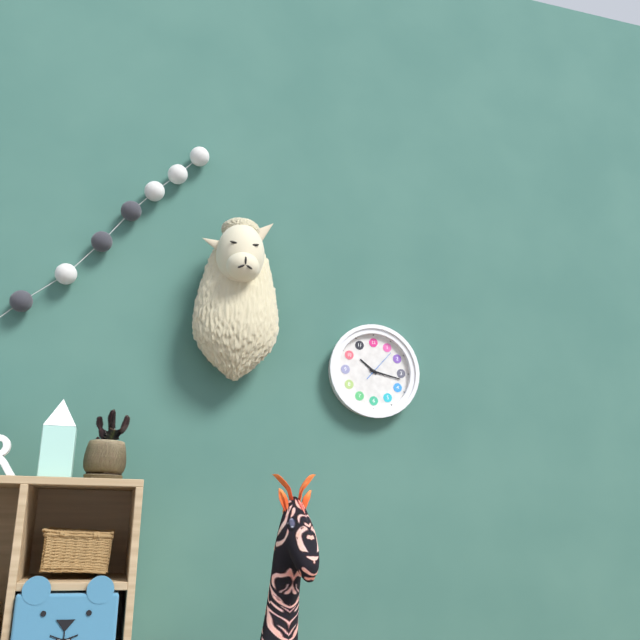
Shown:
**10:17**
